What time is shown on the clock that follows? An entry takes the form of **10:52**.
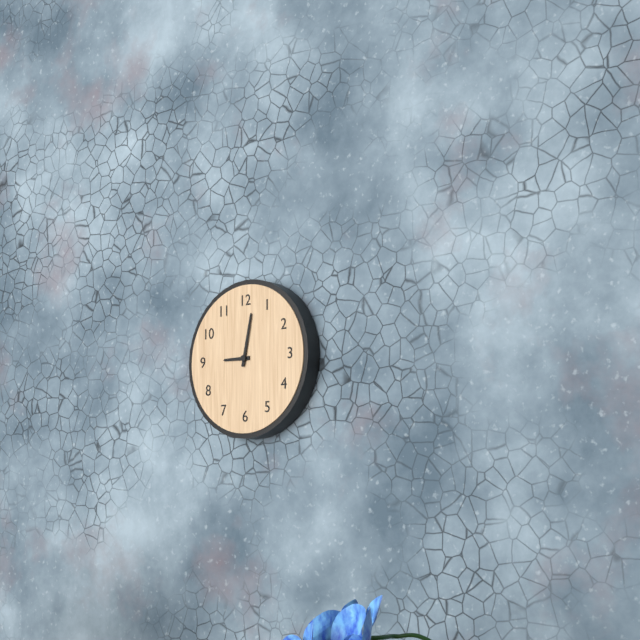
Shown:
**9:02**
